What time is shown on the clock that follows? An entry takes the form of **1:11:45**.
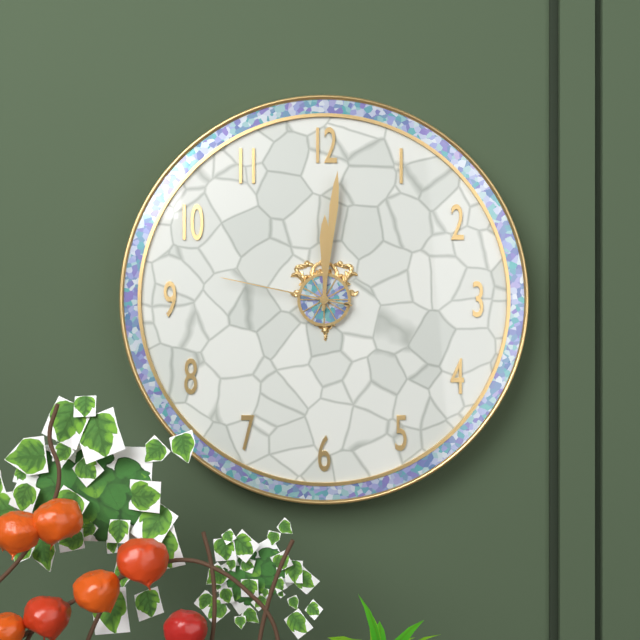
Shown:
**12:01:47**
